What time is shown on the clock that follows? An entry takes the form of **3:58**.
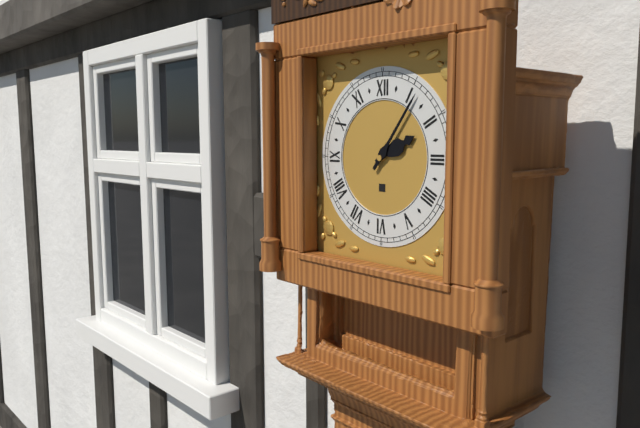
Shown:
**2:06**
